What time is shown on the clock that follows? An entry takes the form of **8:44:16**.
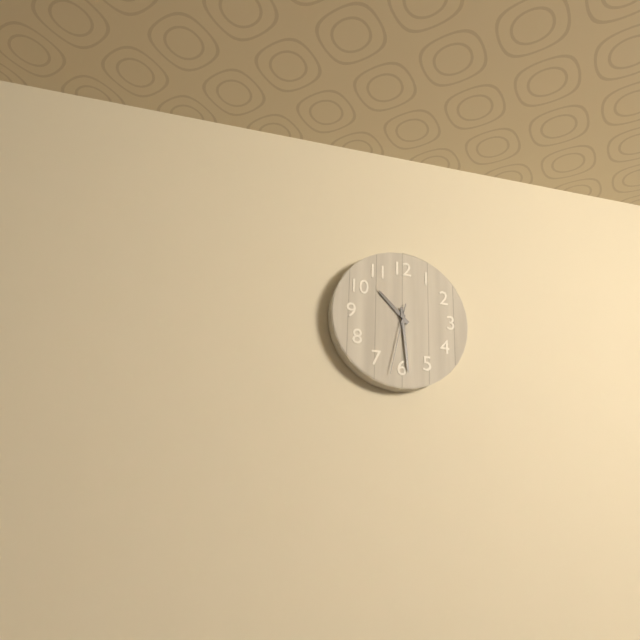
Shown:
**10:29:32**
